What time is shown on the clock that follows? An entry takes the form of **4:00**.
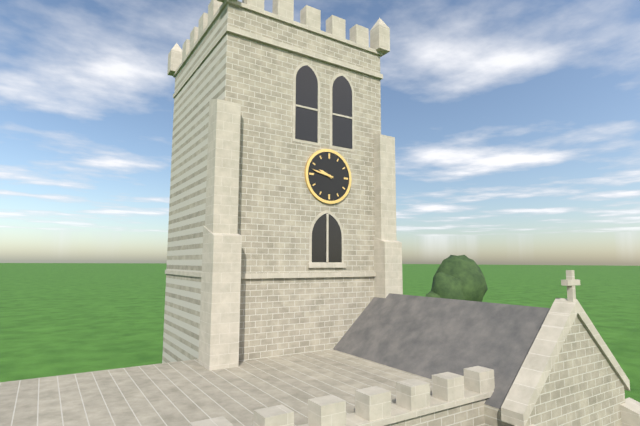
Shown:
**9:47**
